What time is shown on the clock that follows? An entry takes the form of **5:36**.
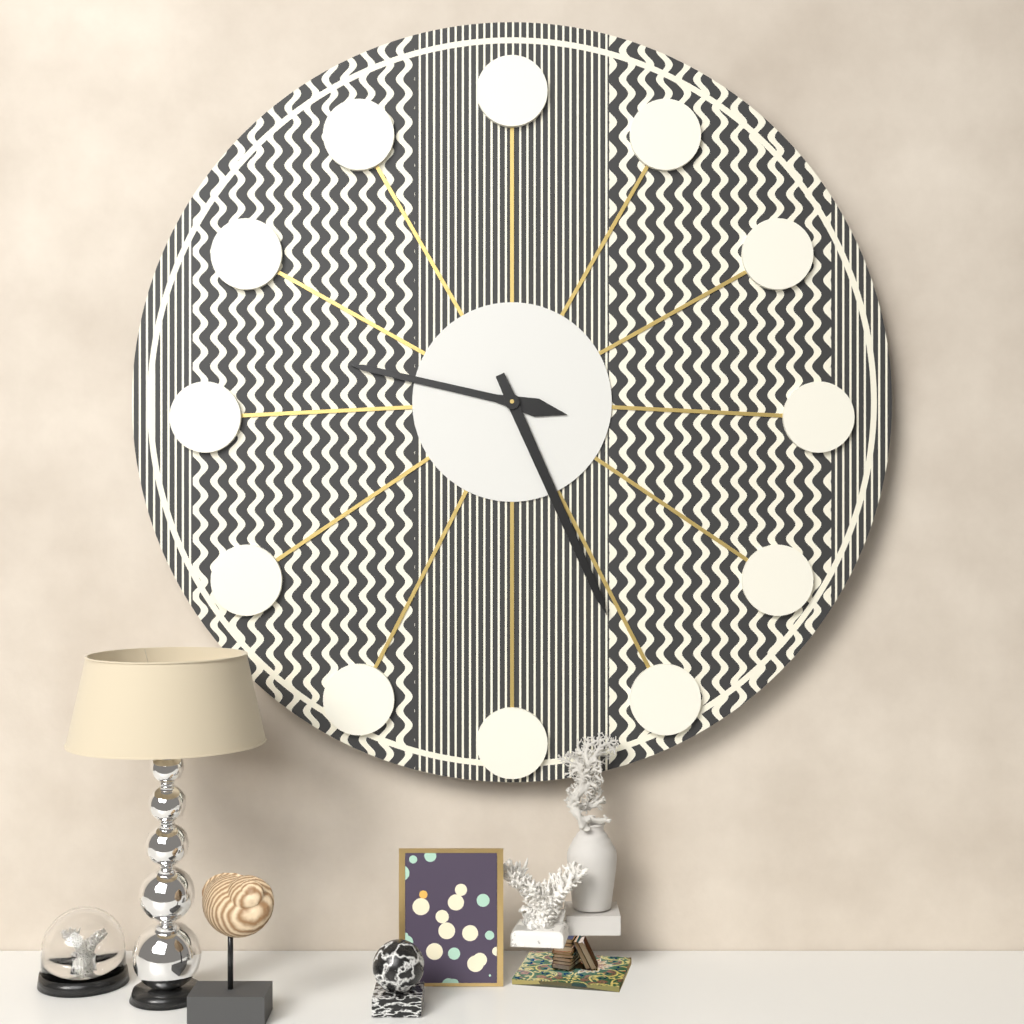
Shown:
**9:26**
